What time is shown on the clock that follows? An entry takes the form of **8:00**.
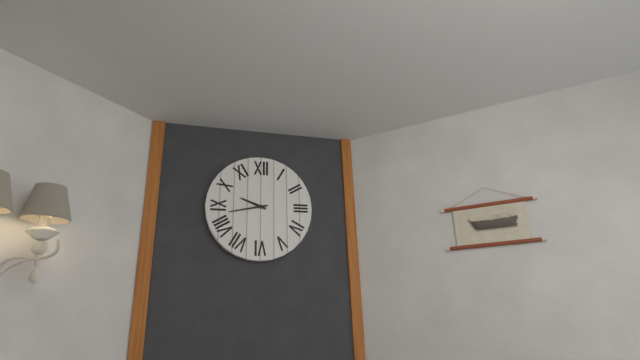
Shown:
**9:43**
